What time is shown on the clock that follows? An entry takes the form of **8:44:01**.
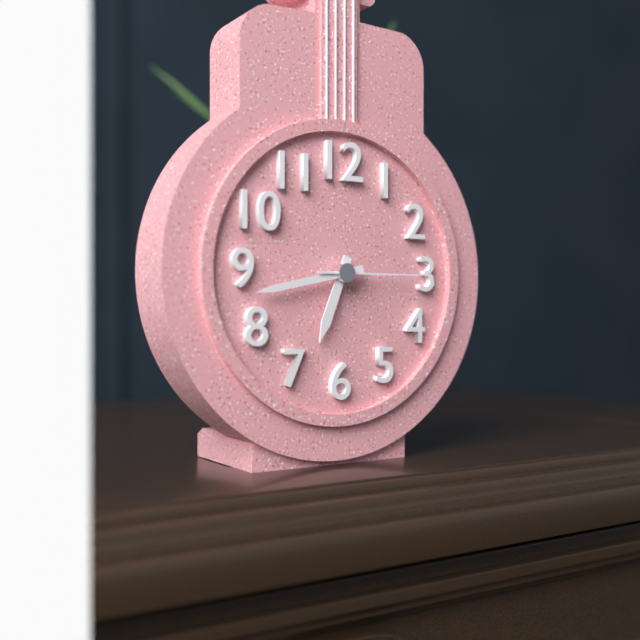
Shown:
**6:43:15**
